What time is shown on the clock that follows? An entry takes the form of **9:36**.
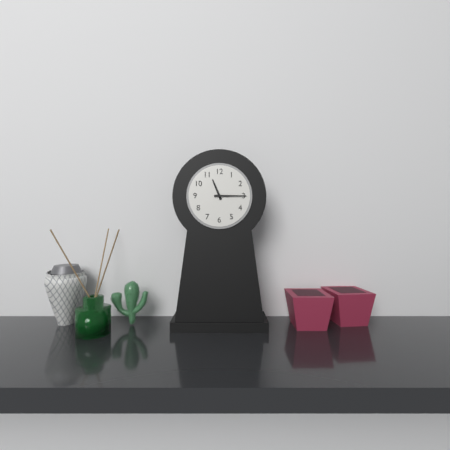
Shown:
**11:15**
